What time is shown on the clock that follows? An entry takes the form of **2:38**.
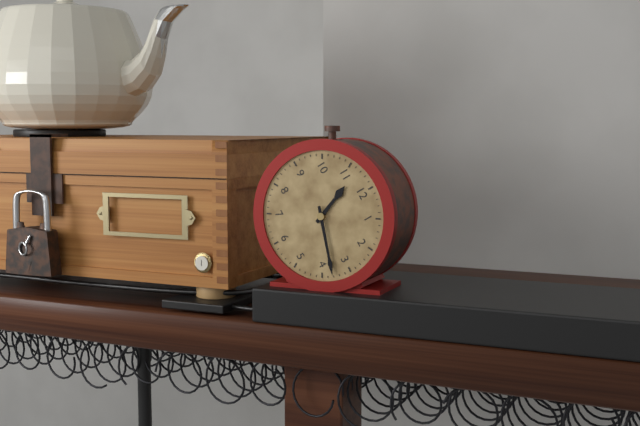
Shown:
**11:18**
